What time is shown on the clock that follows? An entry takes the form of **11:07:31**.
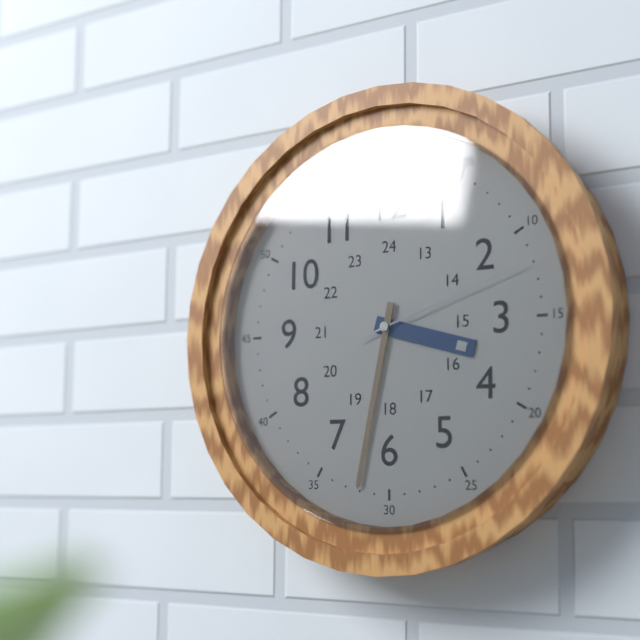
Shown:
**3:32:12**
